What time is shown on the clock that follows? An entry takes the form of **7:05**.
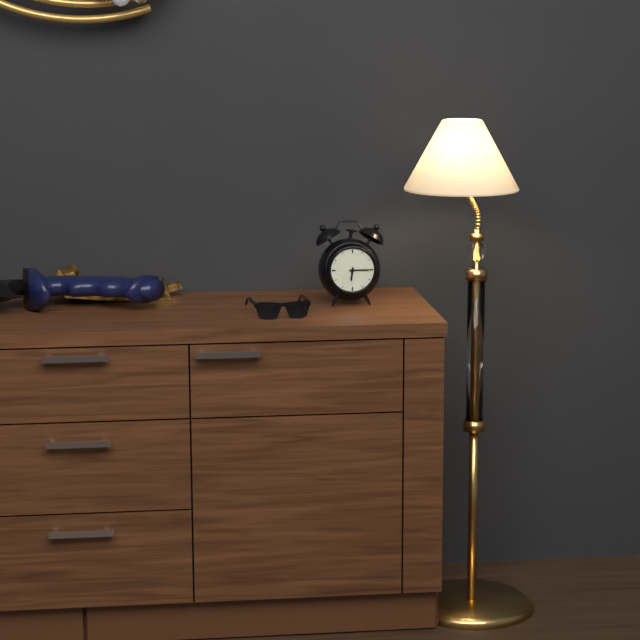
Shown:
**6:15**
